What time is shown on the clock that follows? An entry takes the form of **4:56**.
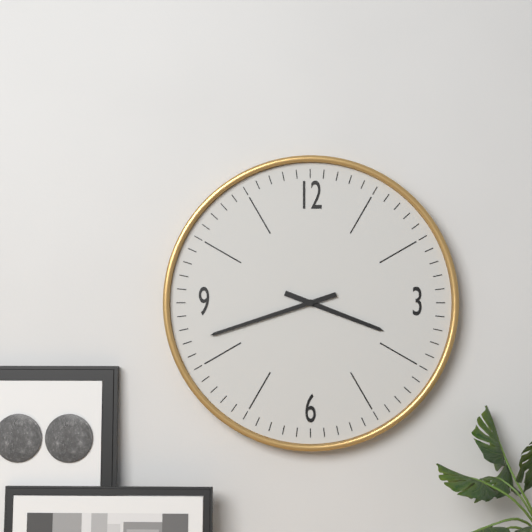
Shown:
**3:42**
